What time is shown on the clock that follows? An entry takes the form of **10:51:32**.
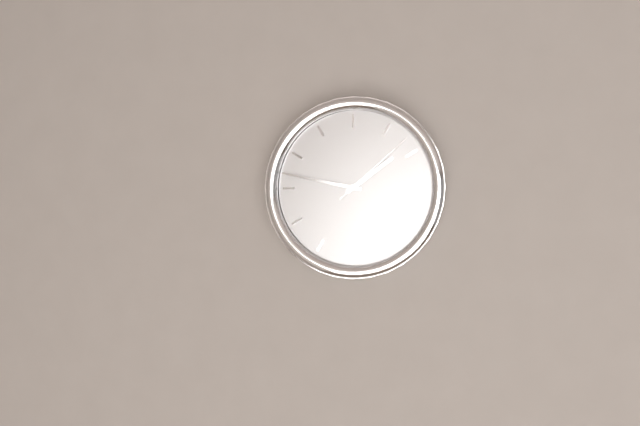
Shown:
**1:47:08**
